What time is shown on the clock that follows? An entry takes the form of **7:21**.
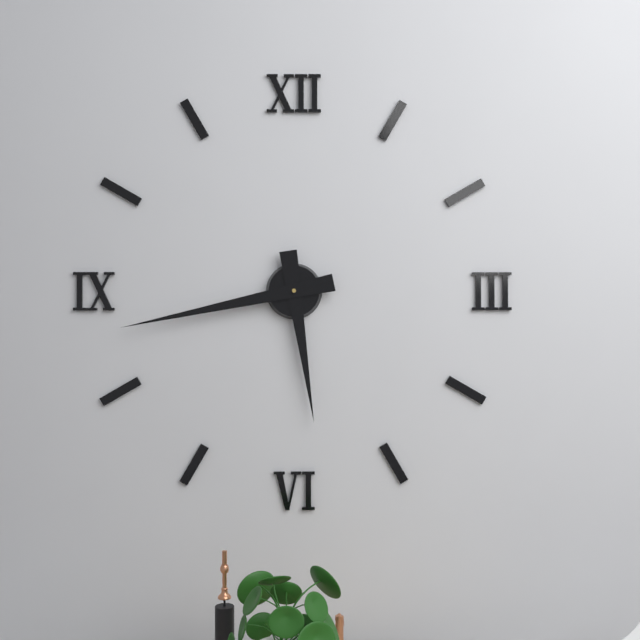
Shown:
**5:43**
